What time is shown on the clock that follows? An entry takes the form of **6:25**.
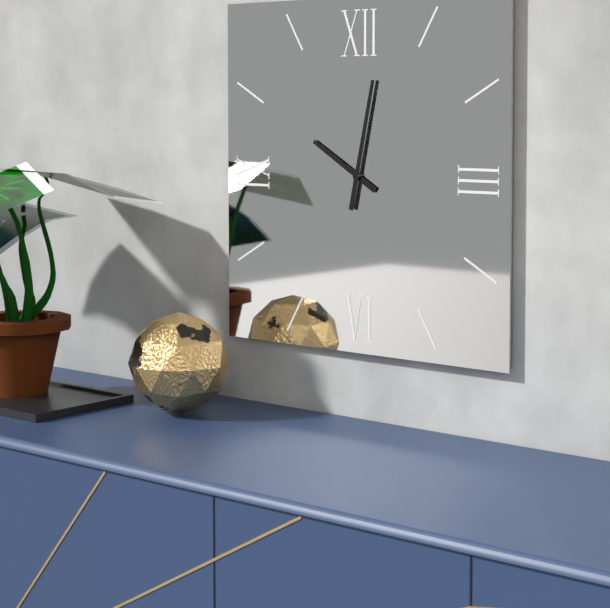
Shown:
**10:02**
